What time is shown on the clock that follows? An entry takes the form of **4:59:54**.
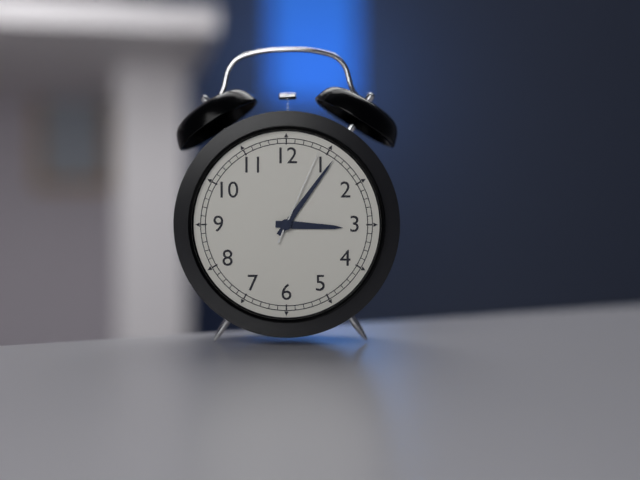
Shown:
**3:06:04**
